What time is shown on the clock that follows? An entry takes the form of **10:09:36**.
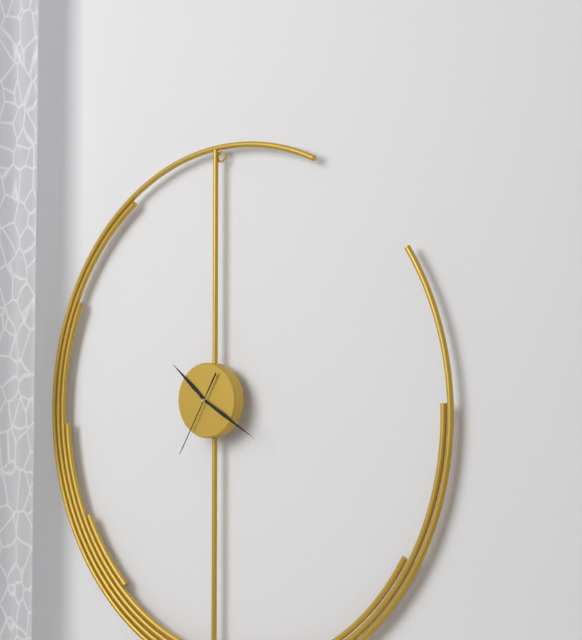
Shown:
**10:20:35**
